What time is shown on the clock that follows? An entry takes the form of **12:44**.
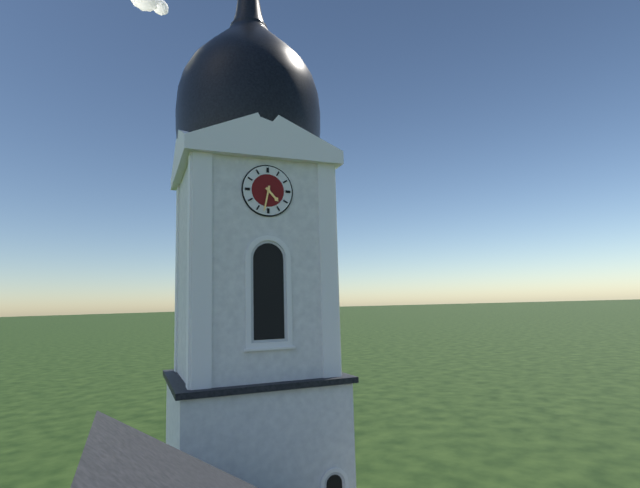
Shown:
**4:32**
